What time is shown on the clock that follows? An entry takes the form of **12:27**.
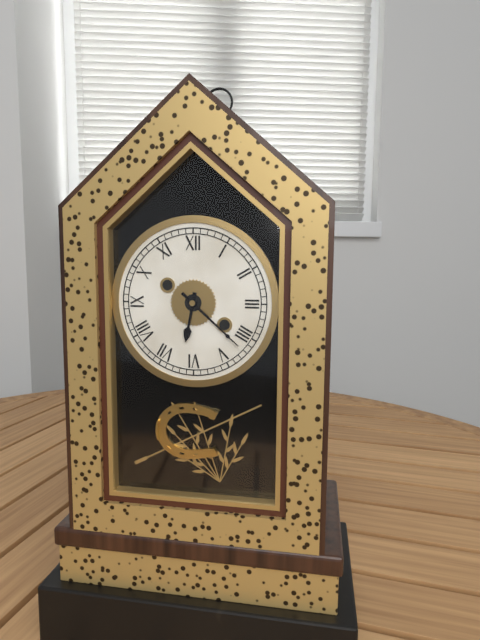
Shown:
**6:22**
